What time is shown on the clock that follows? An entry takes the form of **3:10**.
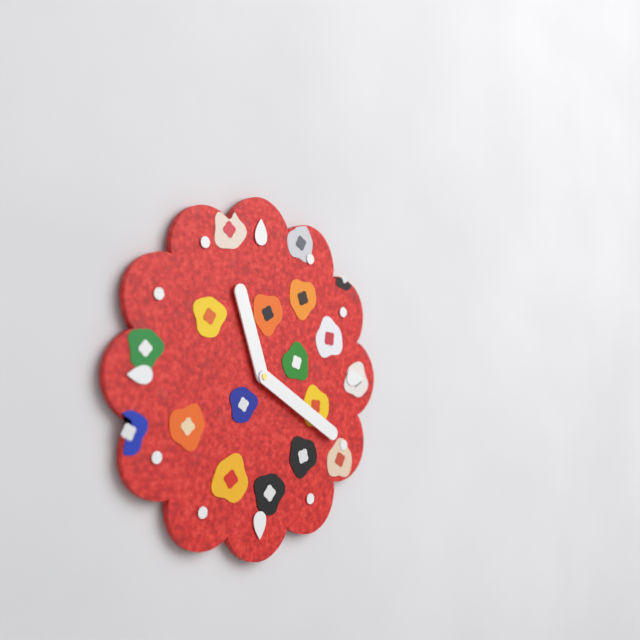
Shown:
**11:20**
